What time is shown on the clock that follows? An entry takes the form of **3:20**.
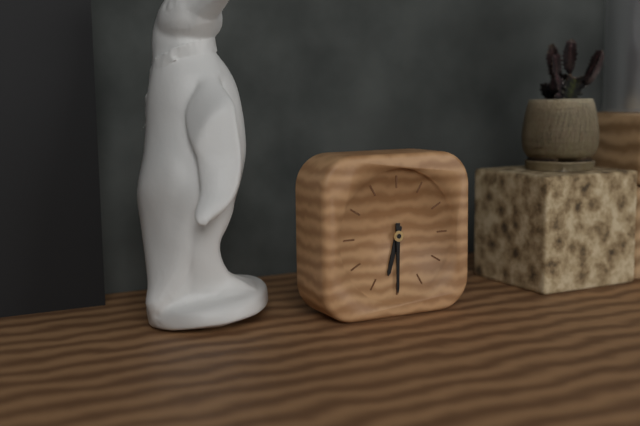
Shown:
**6:30**
